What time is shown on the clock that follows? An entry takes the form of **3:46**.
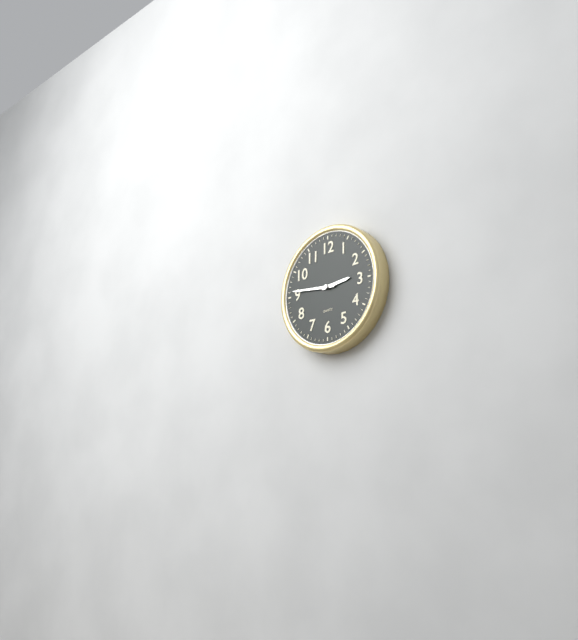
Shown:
**2:46**
